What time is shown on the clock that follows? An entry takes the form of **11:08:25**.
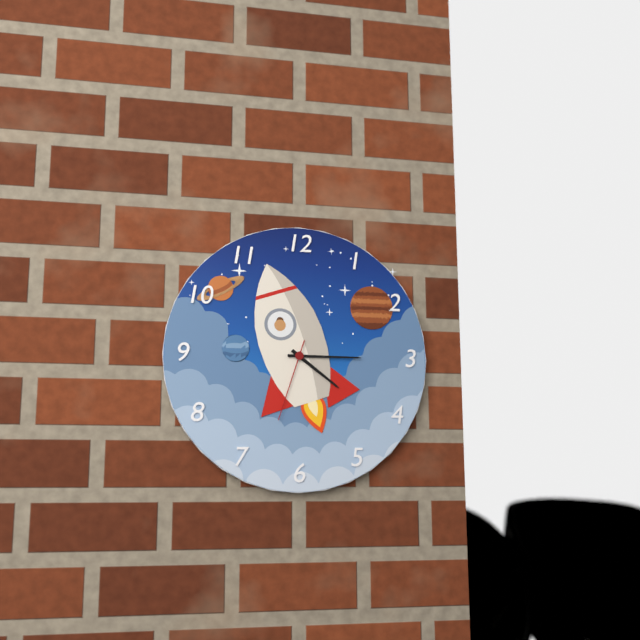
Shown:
**4:15:33**
